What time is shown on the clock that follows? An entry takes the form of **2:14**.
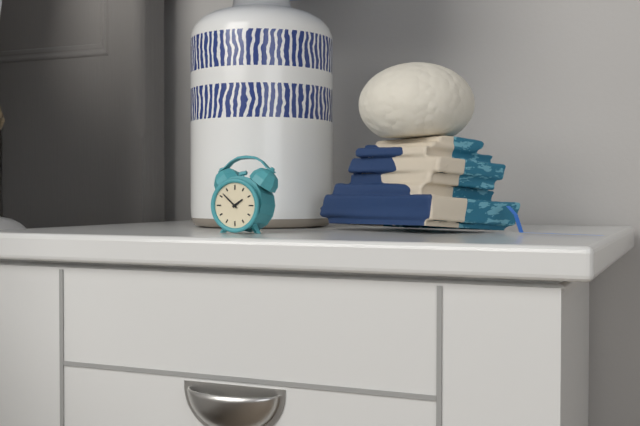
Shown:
**1:52**
